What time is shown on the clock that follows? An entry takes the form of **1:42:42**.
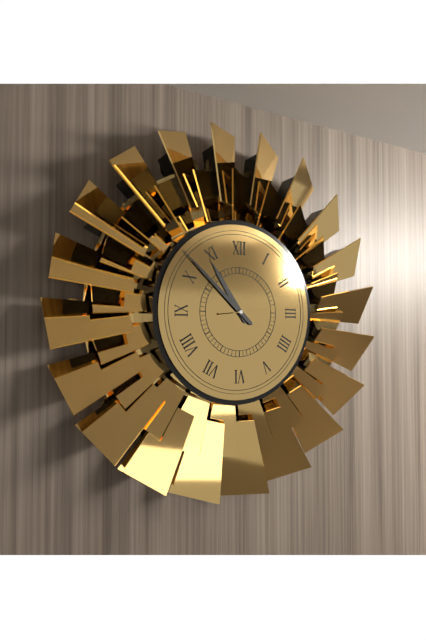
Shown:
**10:52:14**
